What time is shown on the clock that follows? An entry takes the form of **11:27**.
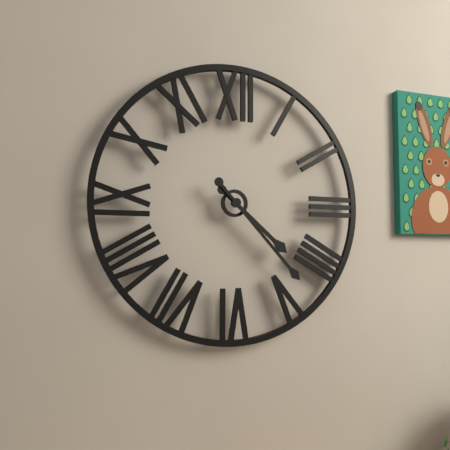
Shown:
**4:23**
